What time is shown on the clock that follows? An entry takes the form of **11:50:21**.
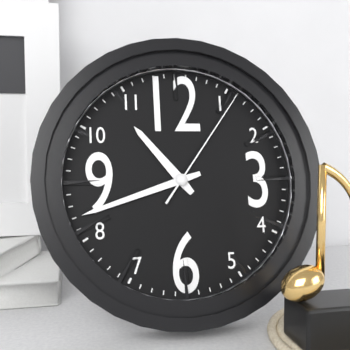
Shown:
**10:42:06**
